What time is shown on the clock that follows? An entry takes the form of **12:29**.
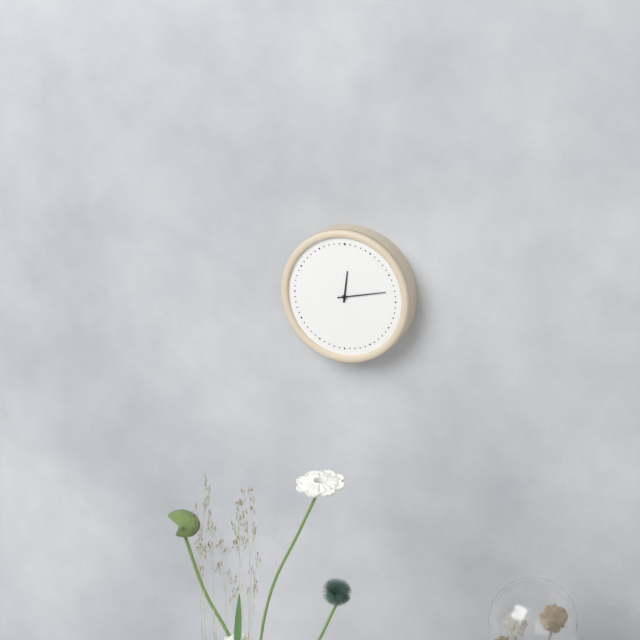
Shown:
**12:13**
